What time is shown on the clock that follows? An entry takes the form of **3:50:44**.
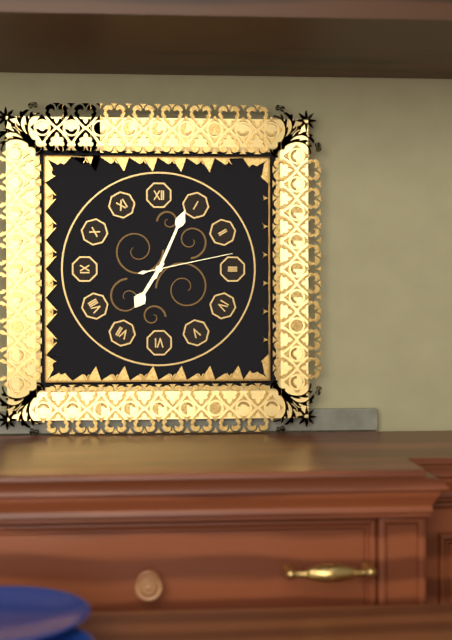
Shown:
**7:04:13**
